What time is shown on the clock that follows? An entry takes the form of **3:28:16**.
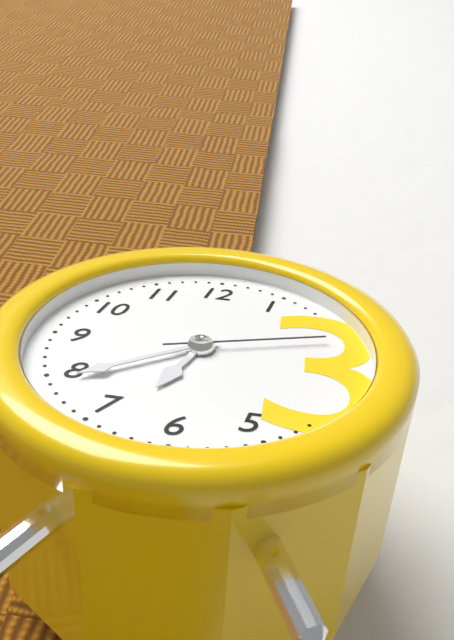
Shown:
**6:39:12**
